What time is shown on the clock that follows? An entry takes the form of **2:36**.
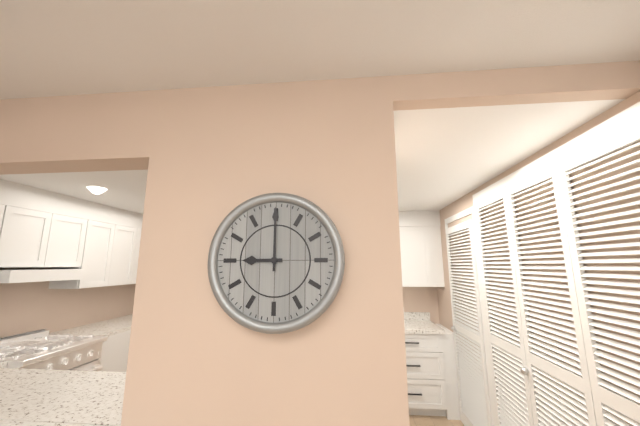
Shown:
**9:00**
